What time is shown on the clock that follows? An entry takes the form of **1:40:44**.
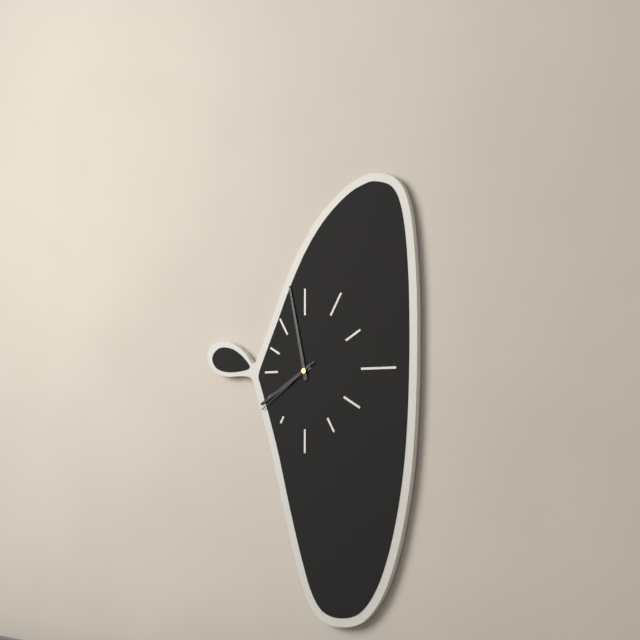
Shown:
**7:58:39**
